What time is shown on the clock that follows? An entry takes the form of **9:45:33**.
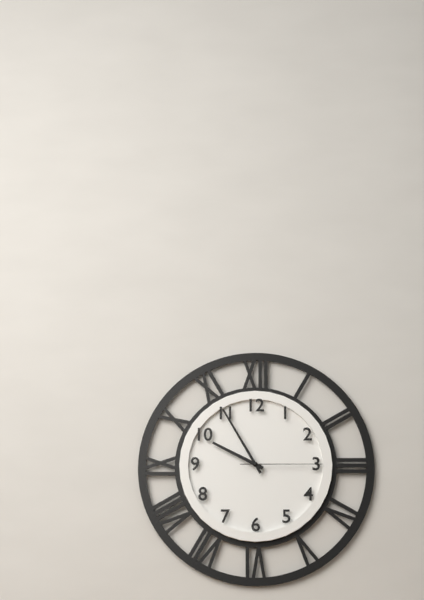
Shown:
**9:55:15**
